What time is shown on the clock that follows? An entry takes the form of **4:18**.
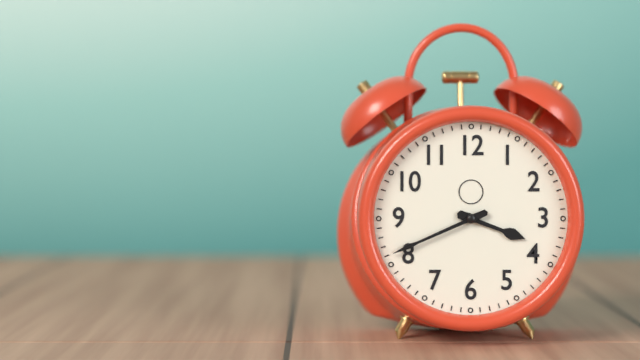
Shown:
**3:41**
